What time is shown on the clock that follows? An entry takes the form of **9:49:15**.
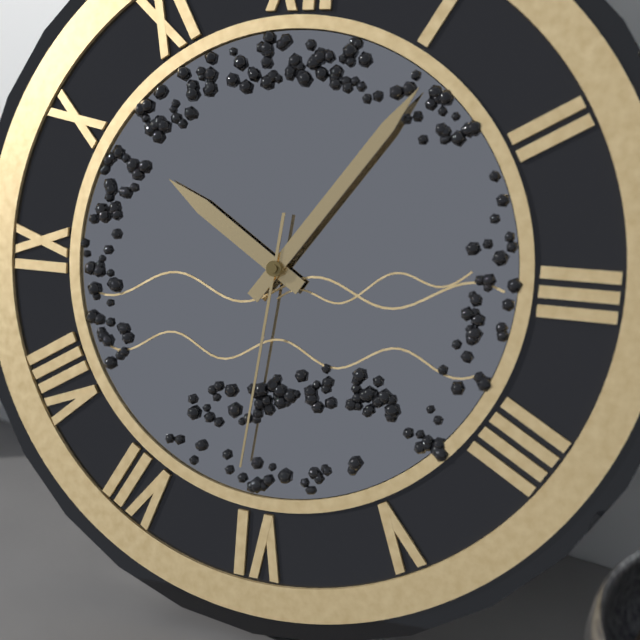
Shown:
**10:06:31**
